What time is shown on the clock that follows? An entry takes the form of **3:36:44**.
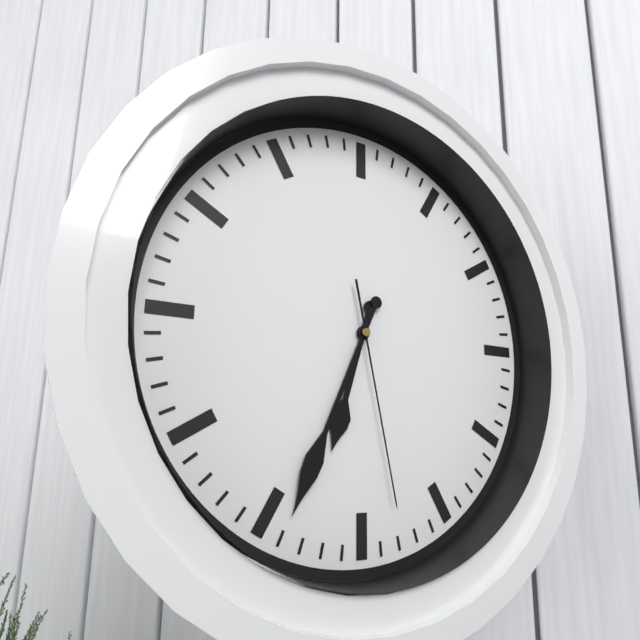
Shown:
**6:34:28**
